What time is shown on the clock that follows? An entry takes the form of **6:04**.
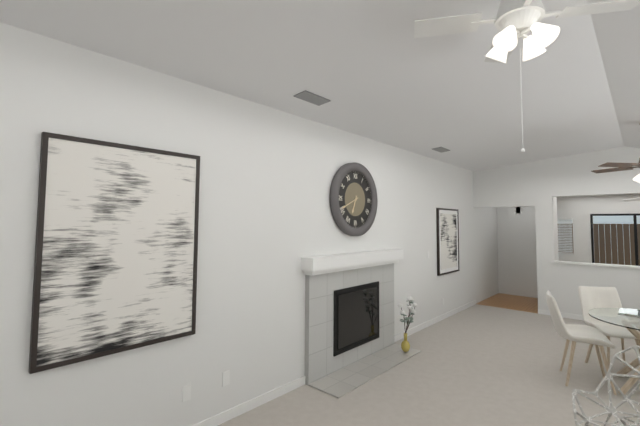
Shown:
**6:41**
